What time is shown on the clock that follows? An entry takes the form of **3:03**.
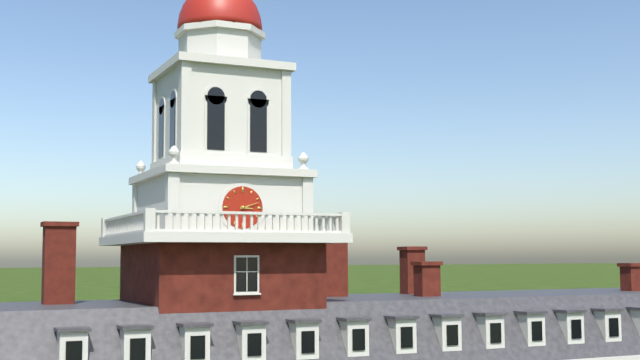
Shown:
**3:12**
